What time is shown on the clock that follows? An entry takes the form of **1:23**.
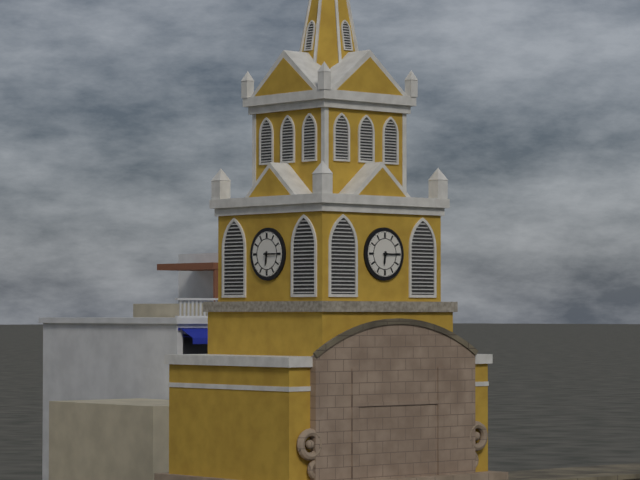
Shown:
**6:15**
